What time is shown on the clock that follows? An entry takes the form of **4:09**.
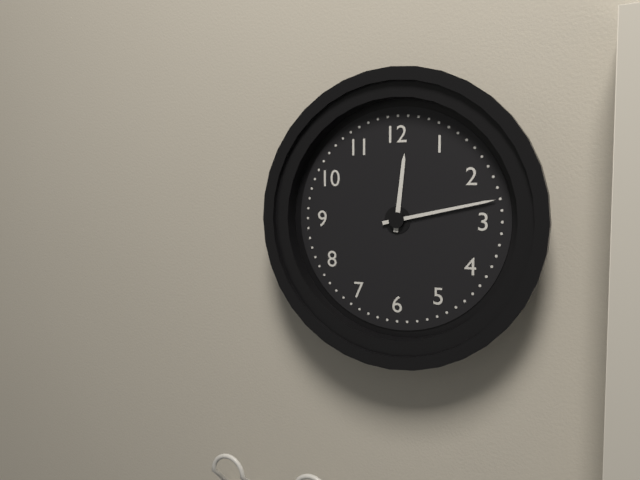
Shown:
**12:13**
